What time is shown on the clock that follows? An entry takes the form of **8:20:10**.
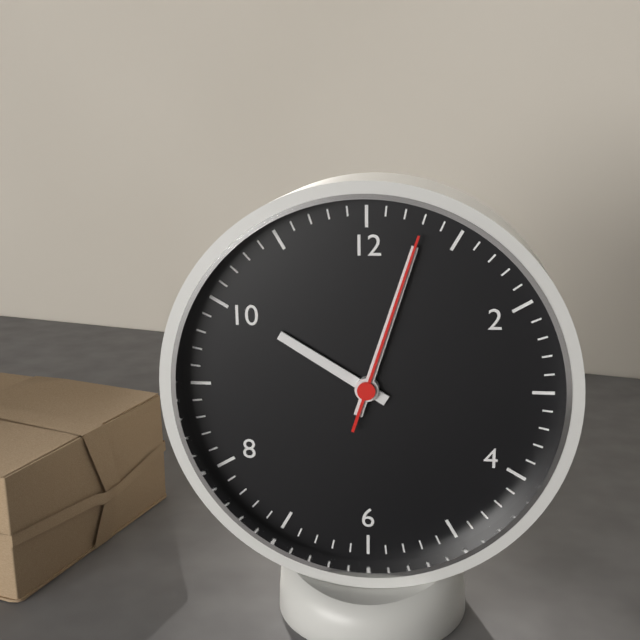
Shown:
**10:03:03**
